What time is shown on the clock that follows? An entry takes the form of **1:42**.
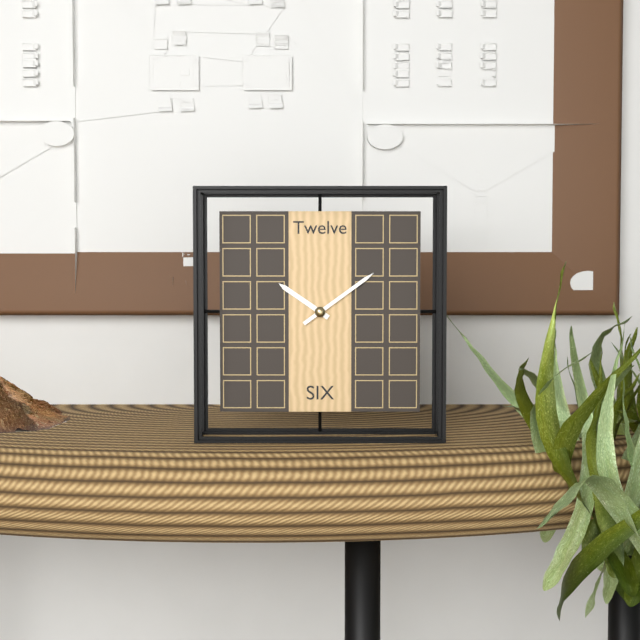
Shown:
**10:09**
